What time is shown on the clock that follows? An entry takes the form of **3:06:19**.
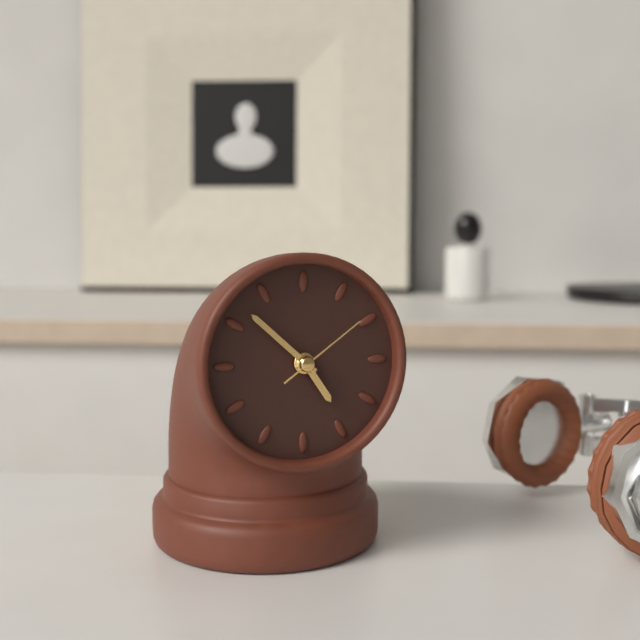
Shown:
**4:52:09**
